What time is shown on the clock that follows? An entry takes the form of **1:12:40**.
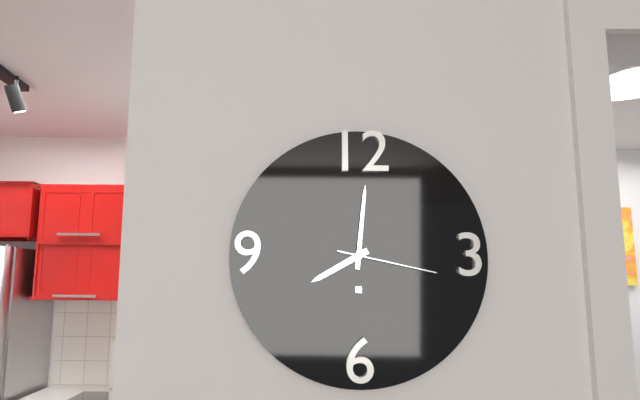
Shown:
**8:01:17**
